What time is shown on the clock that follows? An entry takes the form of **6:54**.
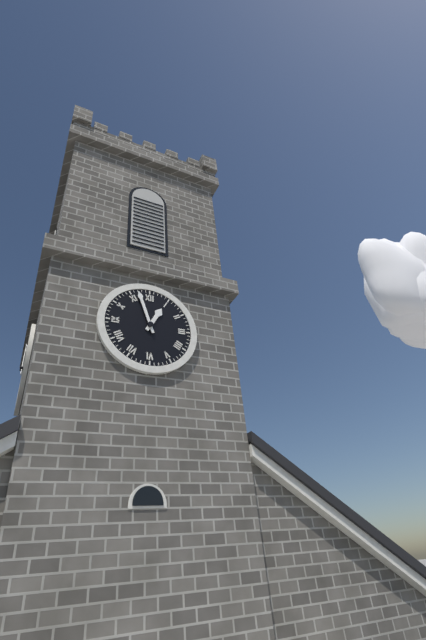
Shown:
**12:57**
